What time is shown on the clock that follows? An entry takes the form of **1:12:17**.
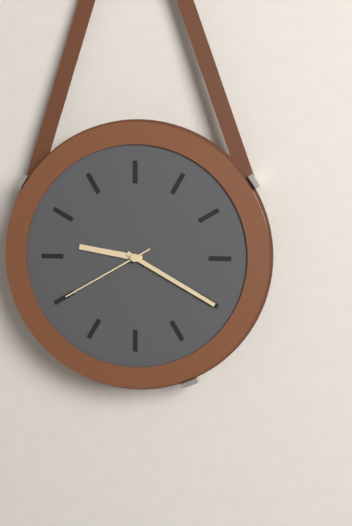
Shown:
**9:20:40**
